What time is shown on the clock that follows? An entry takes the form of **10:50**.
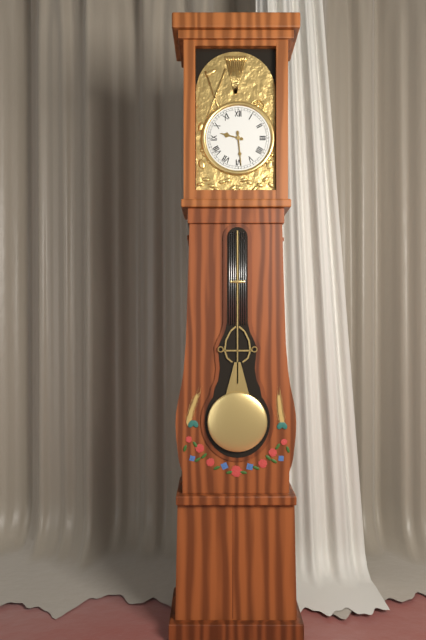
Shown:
**9:29**
